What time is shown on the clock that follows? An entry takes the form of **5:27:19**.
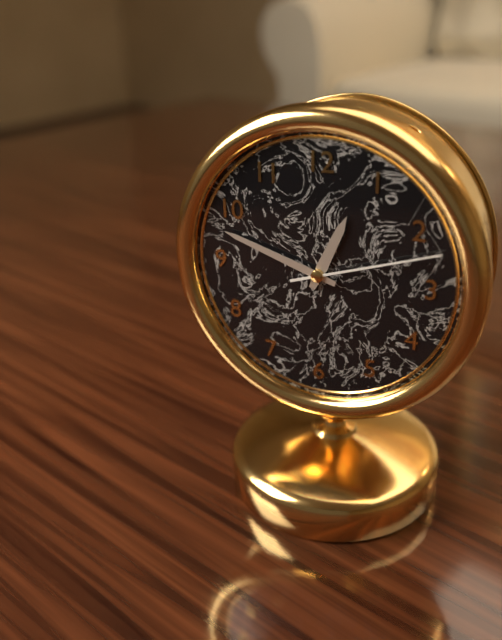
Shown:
**12:48:12**
